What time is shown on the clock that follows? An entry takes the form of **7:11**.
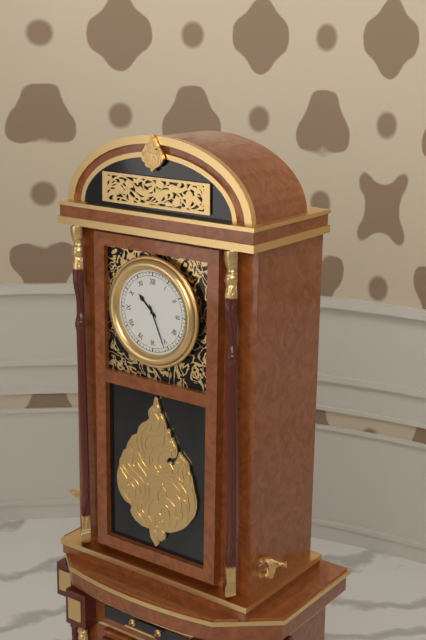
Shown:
**10:26**
